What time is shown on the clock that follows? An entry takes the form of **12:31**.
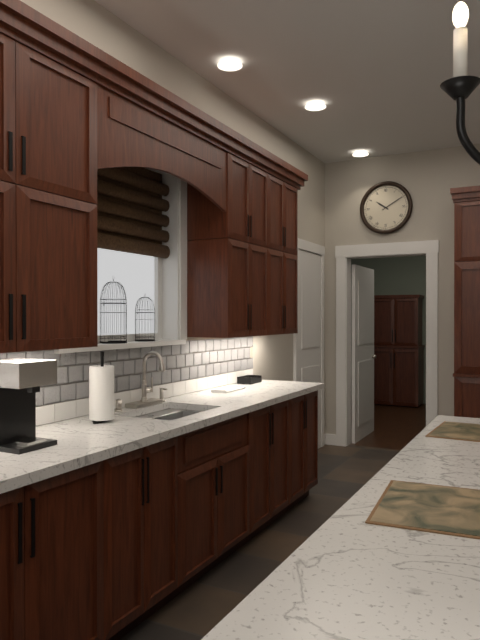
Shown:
**10:10**
